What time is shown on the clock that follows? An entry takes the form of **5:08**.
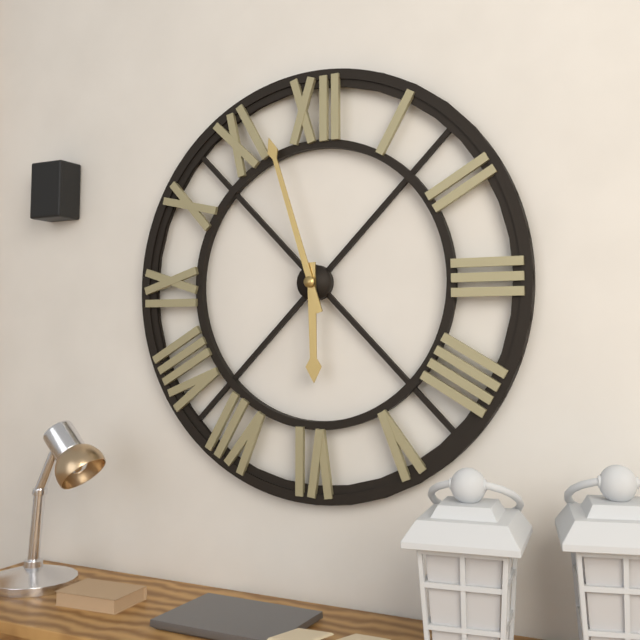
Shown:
**5:57**
